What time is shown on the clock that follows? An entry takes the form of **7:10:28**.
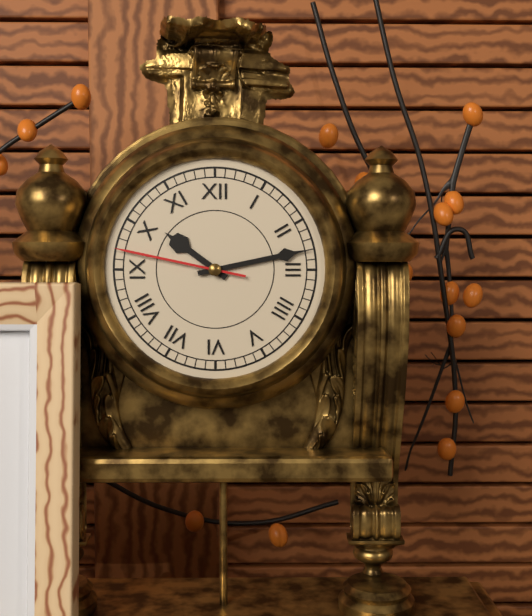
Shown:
**10:13:47**
